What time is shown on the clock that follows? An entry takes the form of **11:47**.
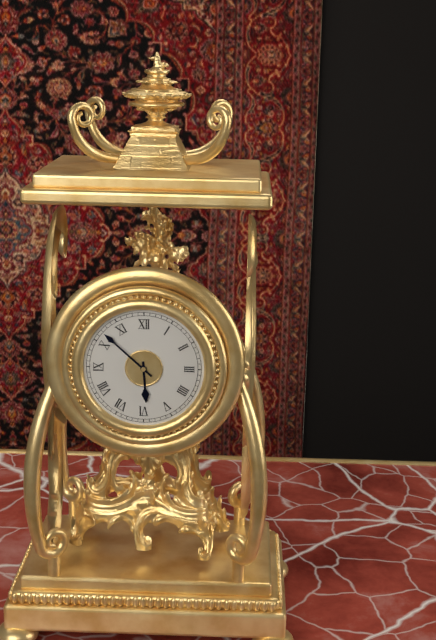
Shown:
**5:52**
